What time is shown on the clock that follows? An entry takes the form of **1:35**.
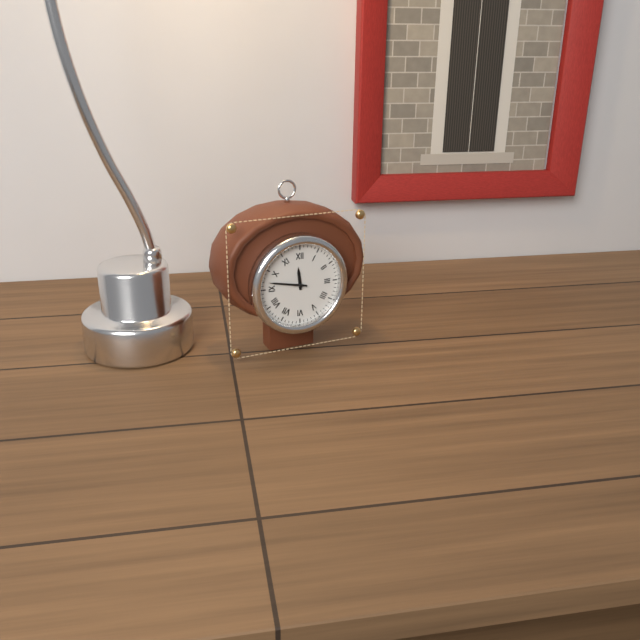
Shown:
**11:47**
